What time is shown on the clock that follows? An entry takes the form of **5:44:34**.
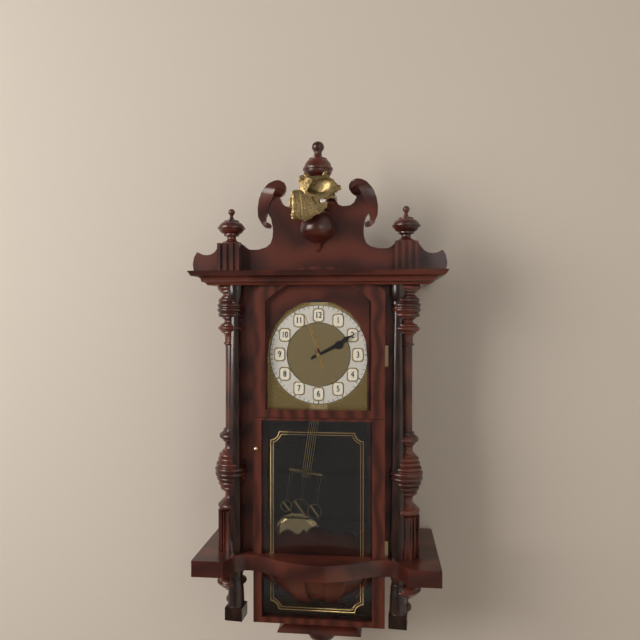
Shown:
**2:10:57**
